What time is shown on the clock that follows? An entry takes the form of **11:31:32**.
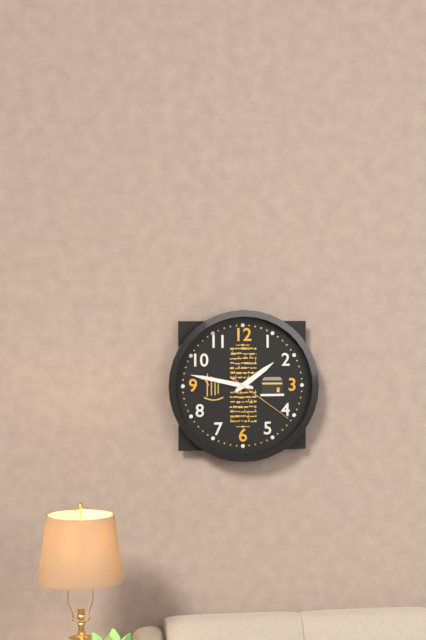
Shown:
**1:47:21**
